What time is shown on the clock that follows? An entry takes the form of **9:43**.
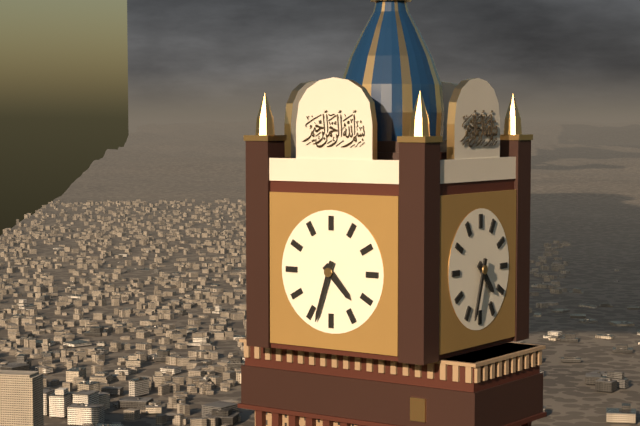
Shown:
**4:33**
